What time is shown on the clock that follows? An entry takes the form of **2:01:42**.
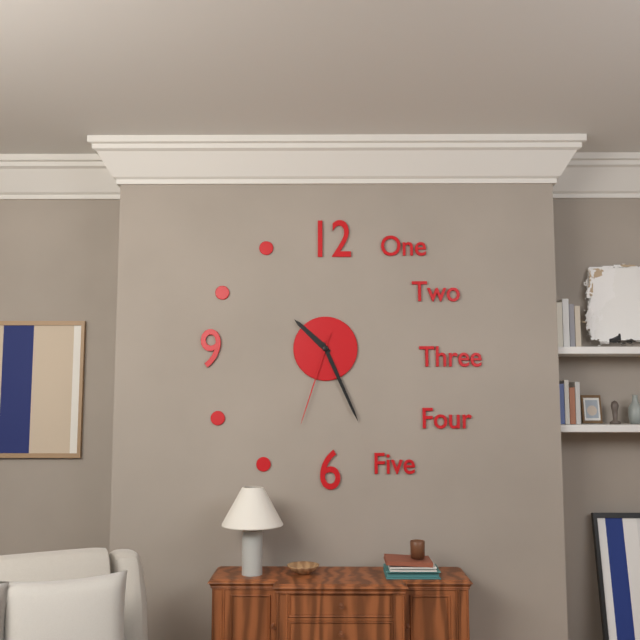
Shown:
**10:26:33**
